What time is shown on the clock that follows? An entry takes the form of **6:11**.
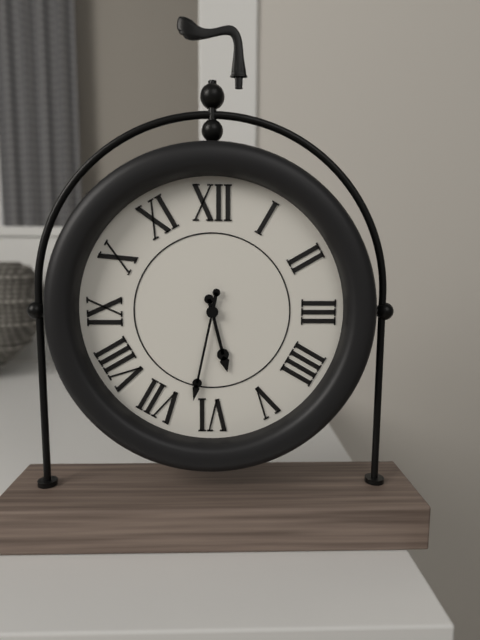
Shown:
**5:32**
